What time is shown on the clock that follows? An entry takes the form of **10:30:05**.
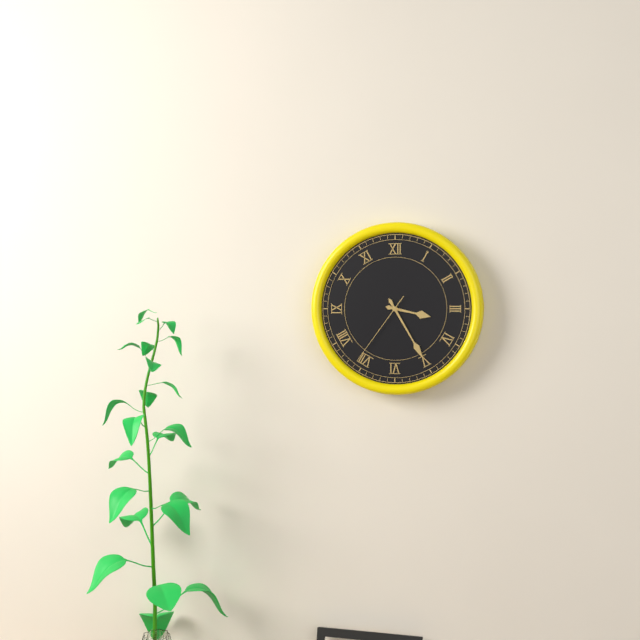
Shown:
**3:25:36**
